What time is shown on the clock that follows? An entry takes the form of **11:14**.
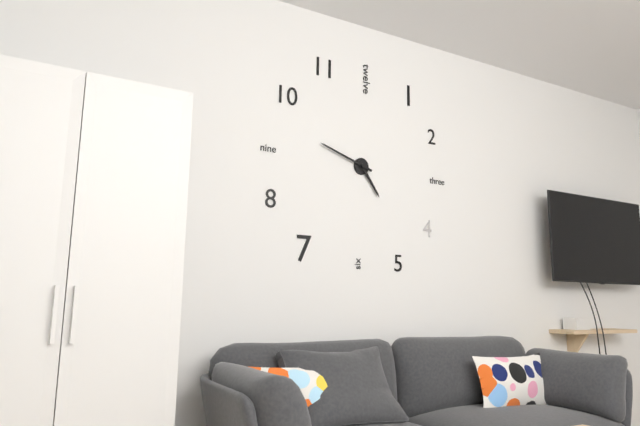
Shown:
**4:48**
